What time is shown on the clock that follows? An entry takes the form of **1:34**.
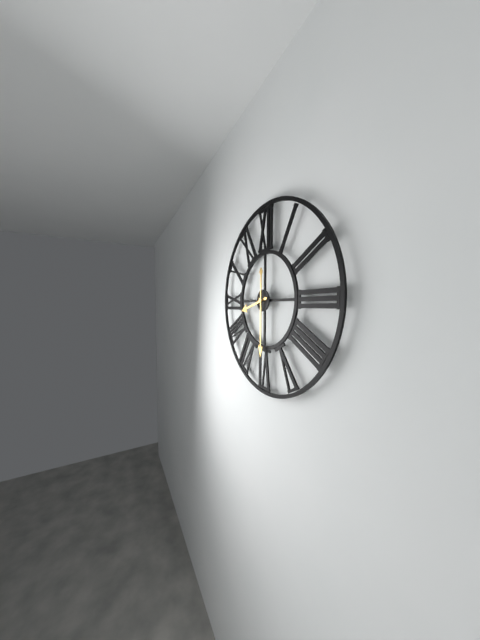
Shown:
**8:30**
